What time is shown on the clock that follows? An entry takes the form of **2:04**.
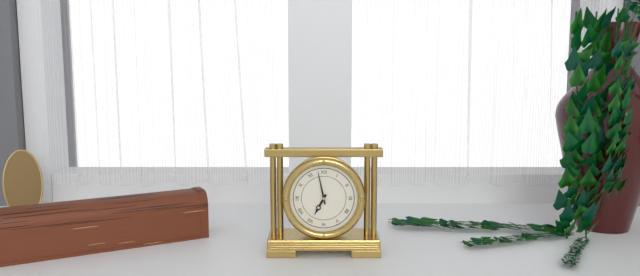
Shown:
**6:58**
